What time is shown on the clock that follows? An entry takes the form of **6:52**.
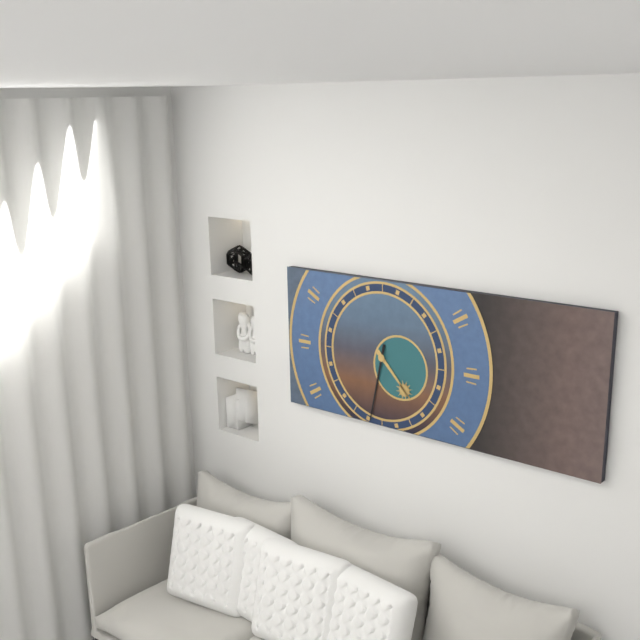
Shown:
**4:32**
